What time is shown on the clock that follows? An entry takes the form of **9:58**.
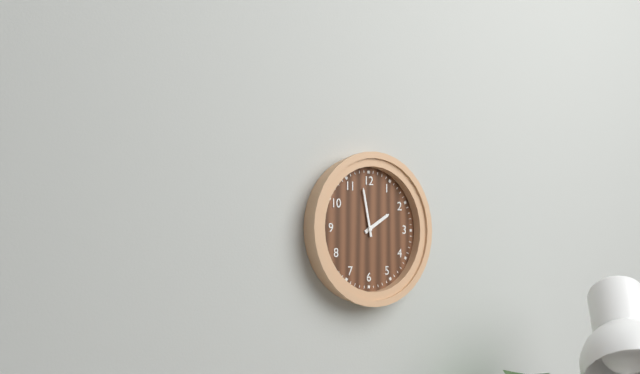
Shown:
**1:58**
